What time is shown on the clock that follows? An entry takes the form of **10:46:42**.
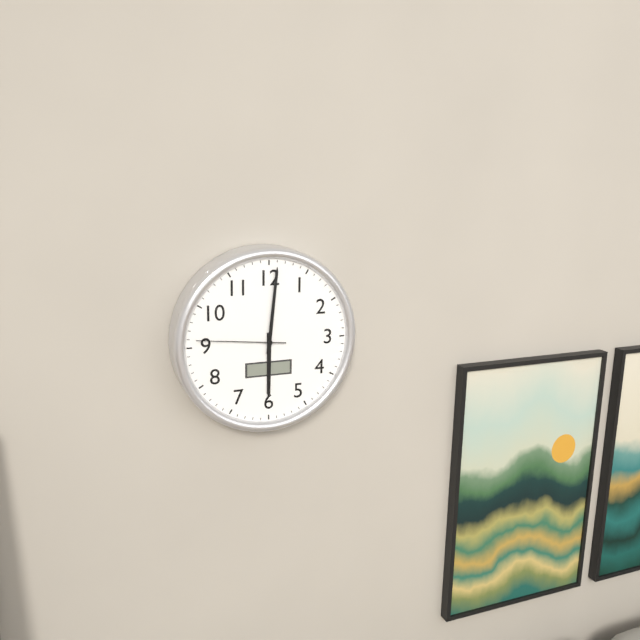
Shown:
**6:01:46**
